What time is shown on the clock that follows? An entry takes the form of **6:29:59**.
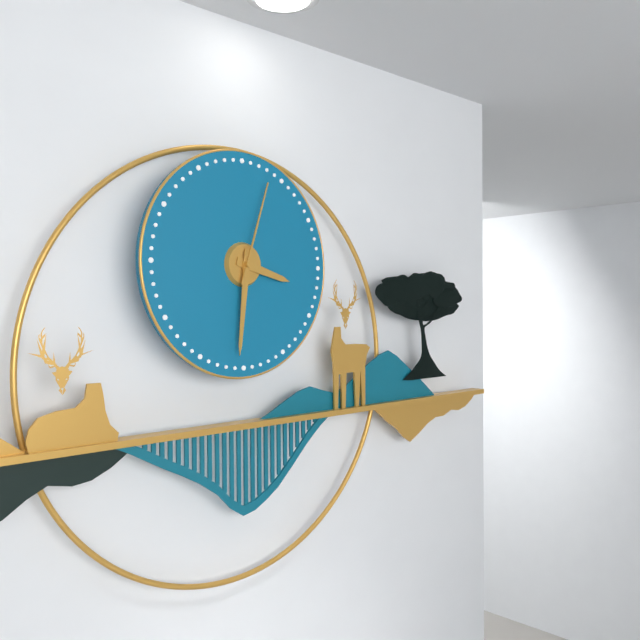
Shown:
**3:31:03**
